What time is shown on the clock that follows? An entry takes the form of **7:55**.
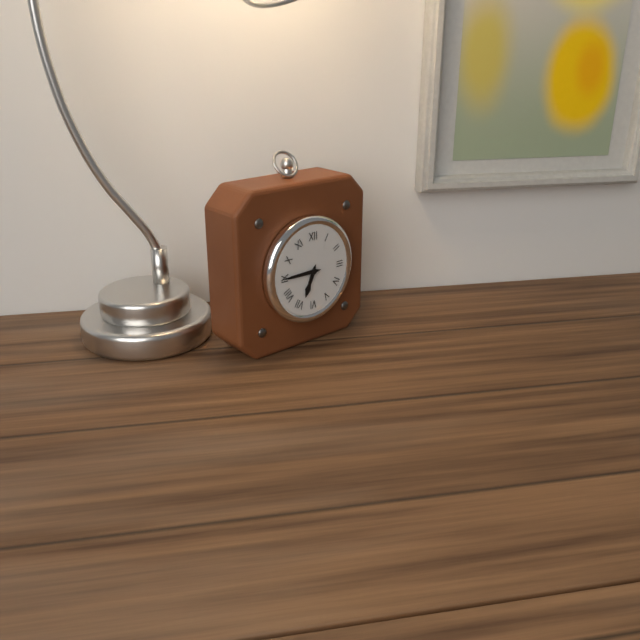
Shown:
**6:45**
